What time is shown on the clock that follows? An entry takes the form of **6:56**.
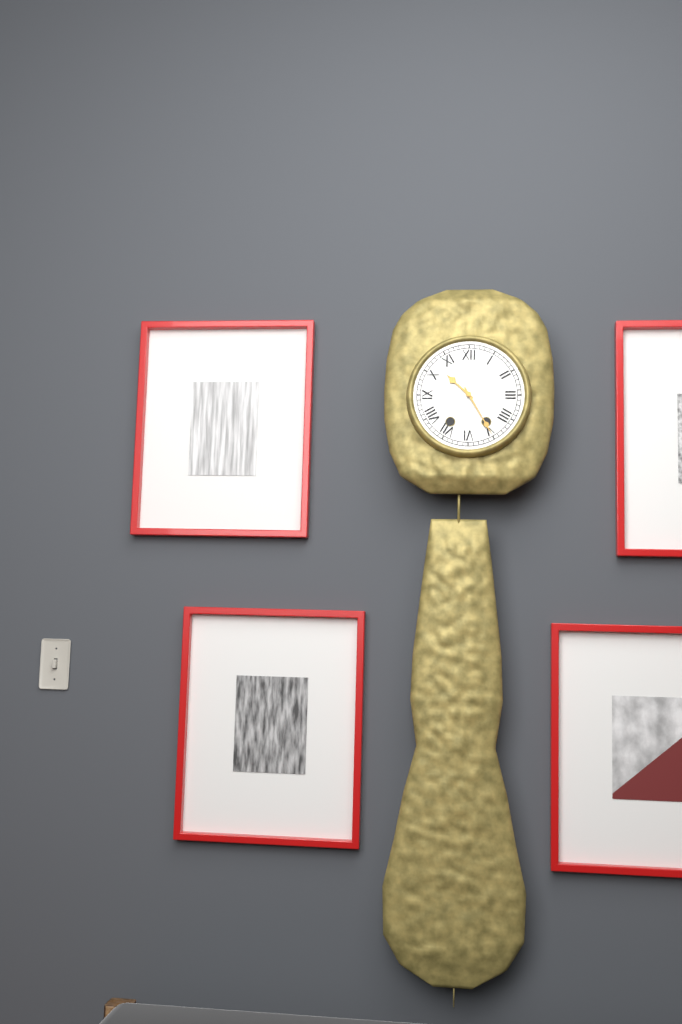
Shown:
**10:25**
